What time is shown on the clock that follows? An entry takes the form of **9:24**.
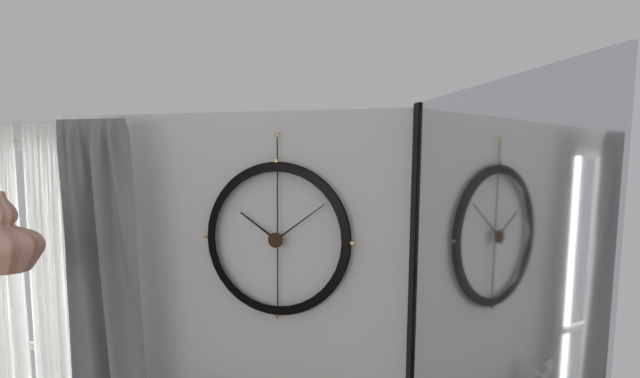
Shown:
**10:09**
